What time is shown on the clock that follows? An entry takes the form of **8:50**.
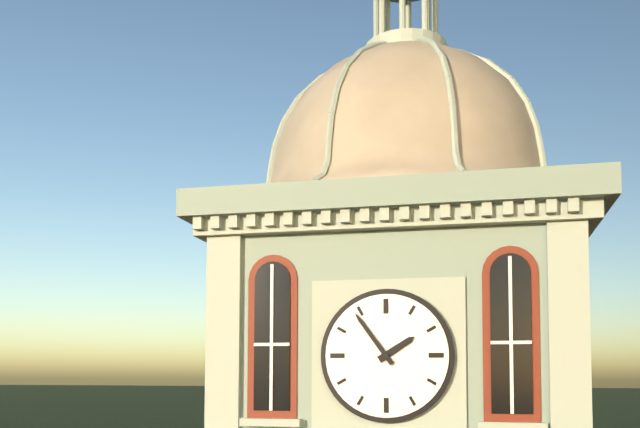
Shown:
**1:54**
